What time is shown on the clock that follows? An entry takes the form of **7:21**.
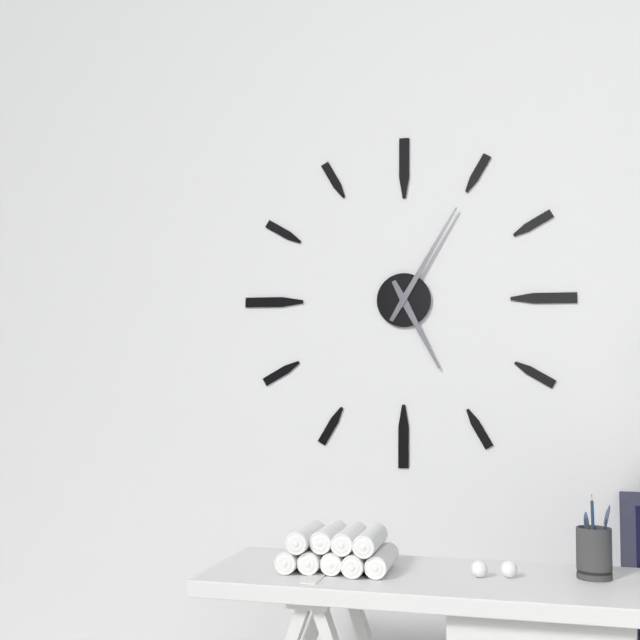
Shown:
**5:05**
